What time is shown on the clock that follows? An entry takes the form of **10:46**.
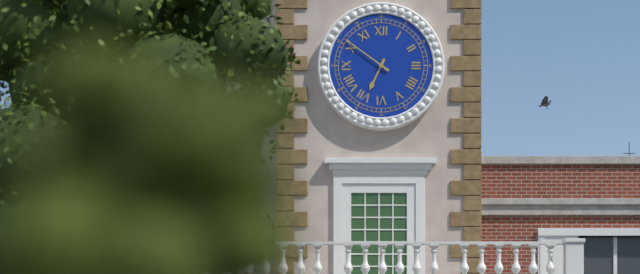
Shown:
**6:51**
